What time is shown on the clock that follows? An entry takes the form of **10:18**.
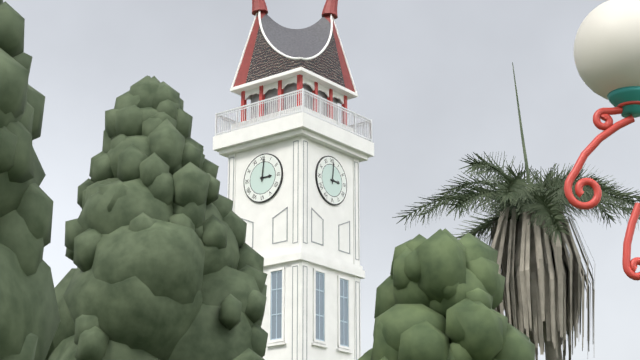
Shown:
**3:01**
